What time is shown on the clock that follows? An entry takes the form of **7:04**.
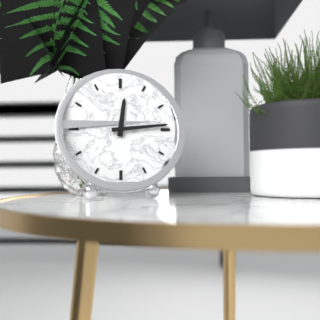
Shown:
**12:14**
